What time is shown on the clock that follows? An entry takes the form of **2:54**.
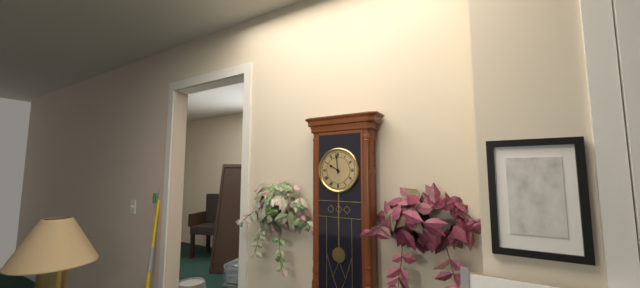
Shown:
**9:59**
